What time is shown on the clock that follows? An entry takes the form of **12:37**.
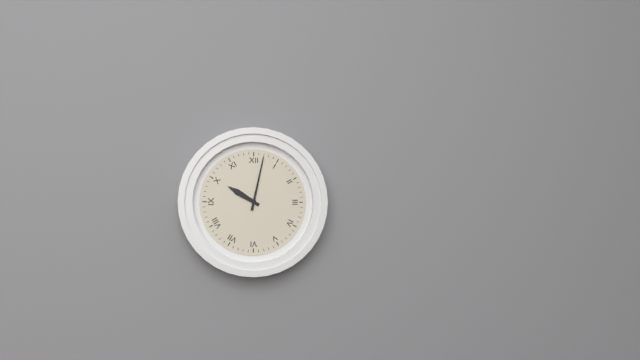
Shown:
**10:02**
